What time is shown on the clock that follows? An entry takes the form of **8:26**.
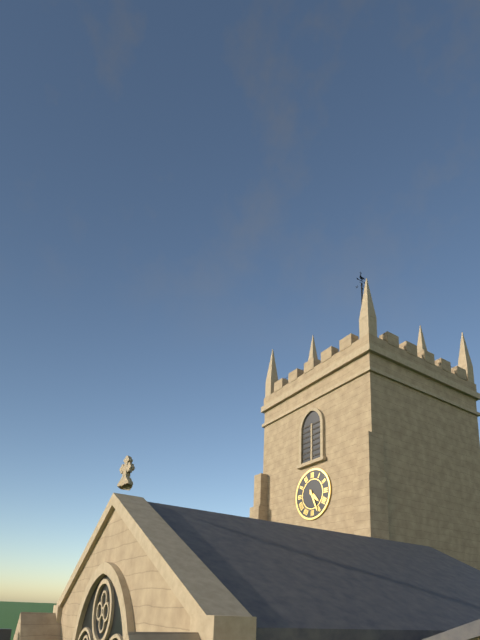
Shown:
**4:26**
